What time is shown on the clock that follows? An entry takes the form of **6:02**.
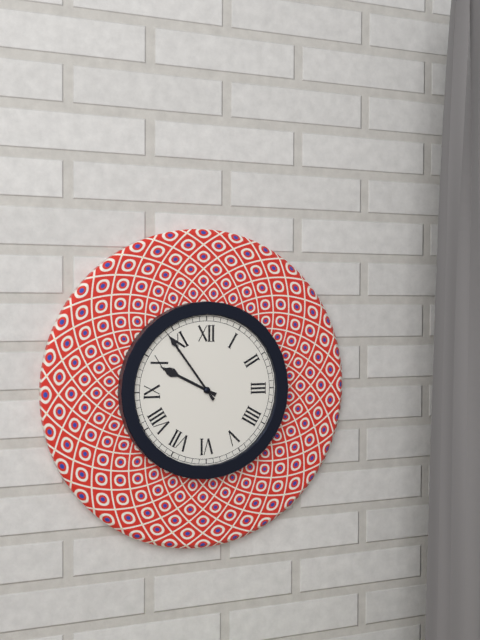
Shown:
**9:54**
